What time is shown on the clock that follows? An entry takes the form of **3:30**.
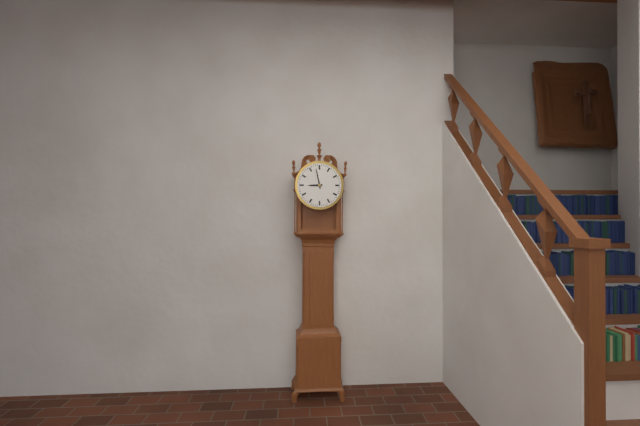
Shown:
**8:58**
